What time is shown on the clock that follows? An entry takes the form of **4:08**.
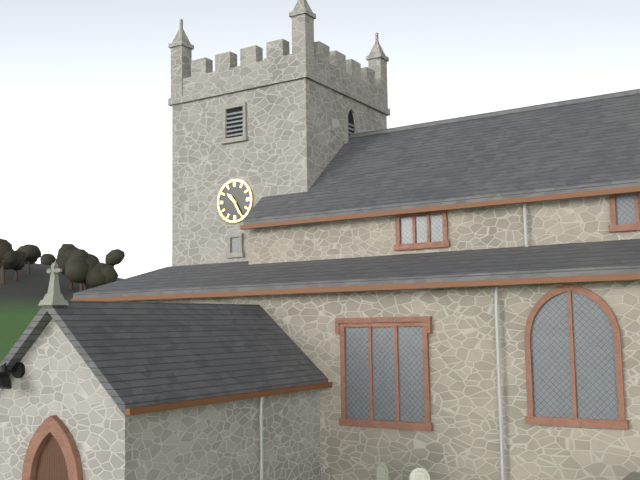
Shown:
**10:25**
